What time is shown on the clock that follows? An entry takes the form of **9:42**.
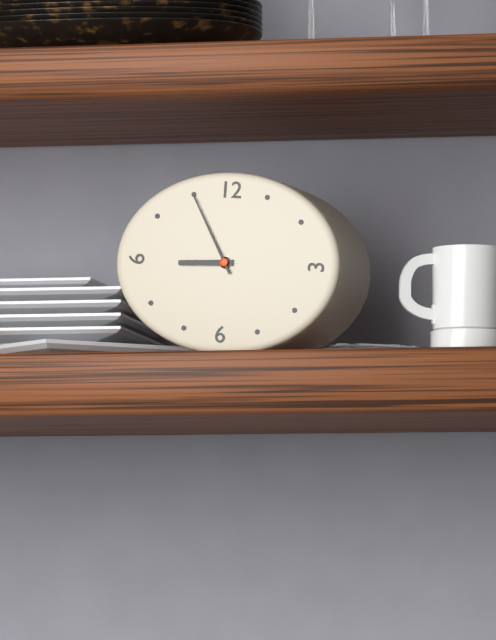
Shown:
**8:55**
